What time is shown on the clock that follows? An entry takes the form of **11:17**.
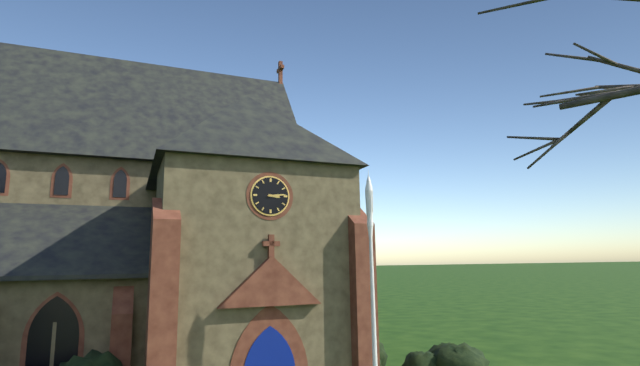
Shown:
**3:14**
